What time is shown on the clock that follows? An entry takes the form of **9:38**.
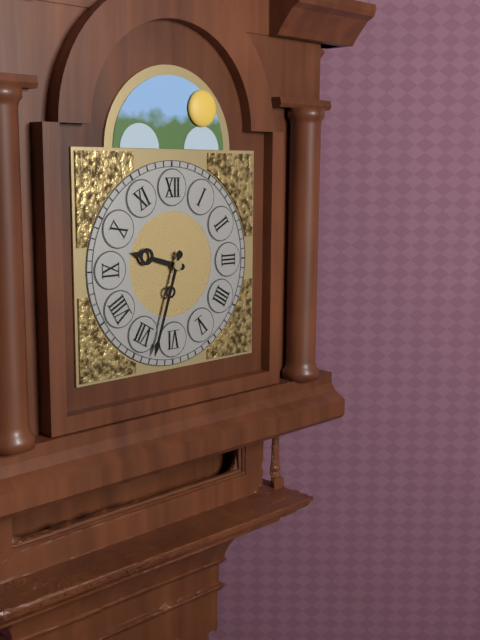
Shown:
**9:33**
